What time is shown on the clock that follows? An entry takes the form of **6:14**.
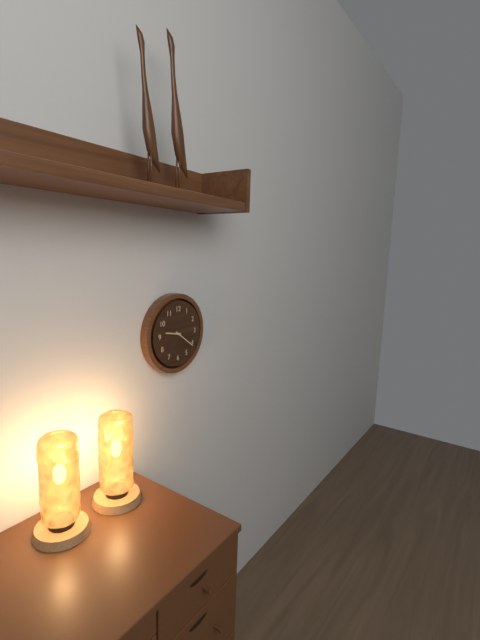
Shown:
**9:21**
